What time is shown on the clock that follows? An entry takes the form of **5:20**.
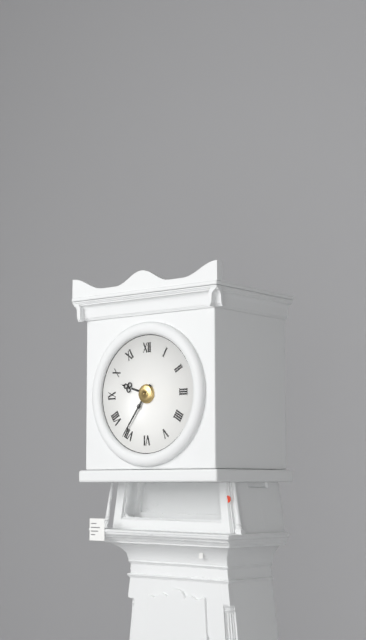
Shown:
**9:36**
